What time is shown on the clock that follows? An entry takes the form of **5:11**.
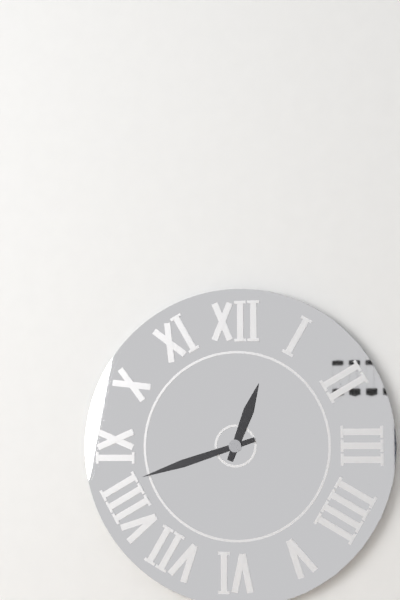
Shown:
**12:42**
